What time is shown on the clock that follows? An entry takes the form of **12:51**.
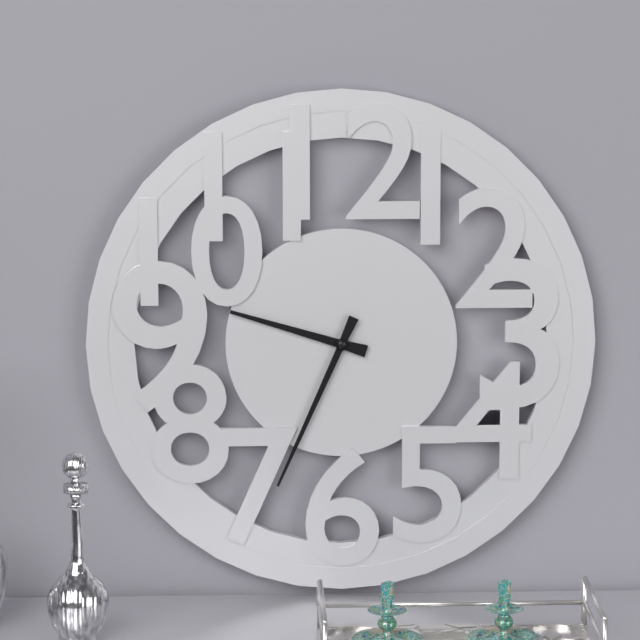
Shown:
**9:34**
